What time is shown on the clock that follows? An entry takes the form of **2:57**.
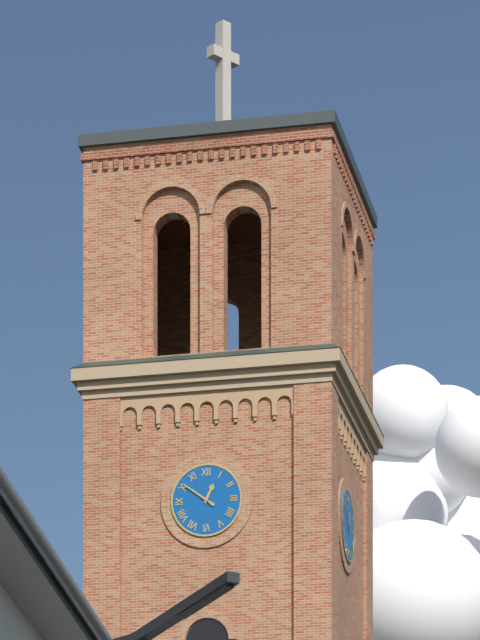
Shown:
**12:51**
